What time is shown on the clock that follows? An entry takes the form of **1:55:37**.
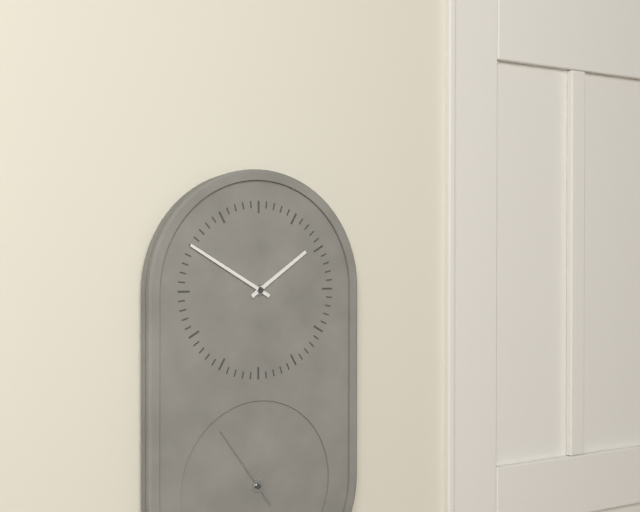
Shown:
**1:50:54**
